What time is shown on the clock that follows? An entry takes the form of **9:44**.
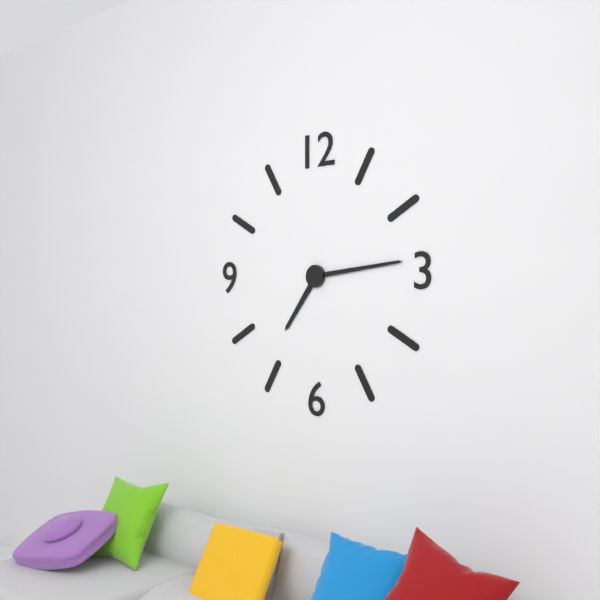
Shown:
**7:14**
